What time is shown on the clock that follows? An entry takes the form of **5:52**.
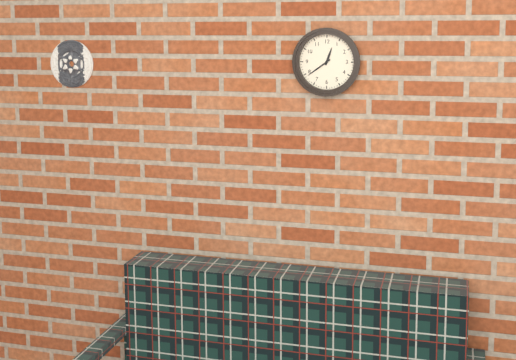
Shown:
**12:39**
